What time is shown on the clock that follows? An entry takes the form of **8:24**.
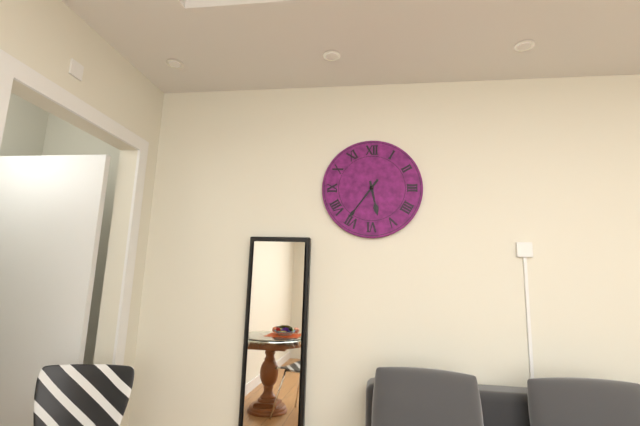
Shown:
**5:36**
